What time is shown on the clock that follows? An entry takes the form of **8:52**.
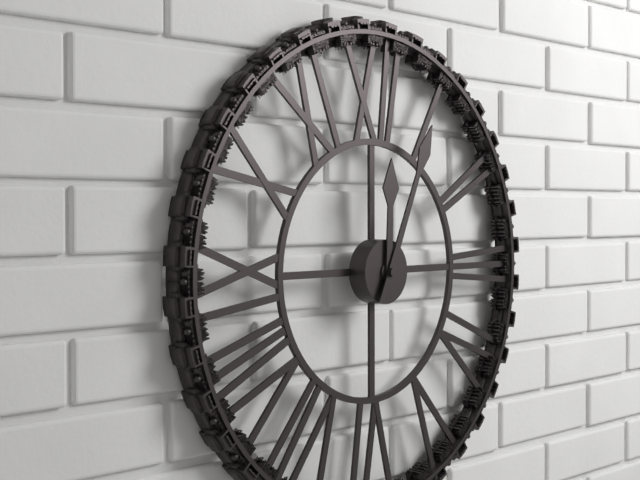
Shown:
**12:04**
